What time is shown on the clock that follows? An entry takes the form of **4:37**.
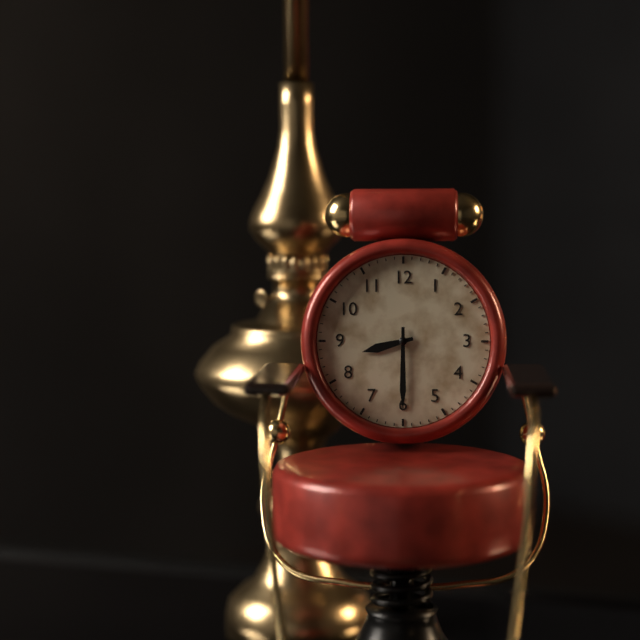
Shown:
**8:30**
